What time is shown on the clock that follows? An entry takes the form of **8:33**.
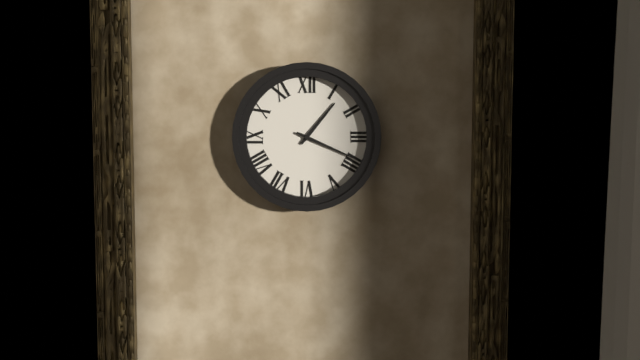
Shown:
**1:19**
